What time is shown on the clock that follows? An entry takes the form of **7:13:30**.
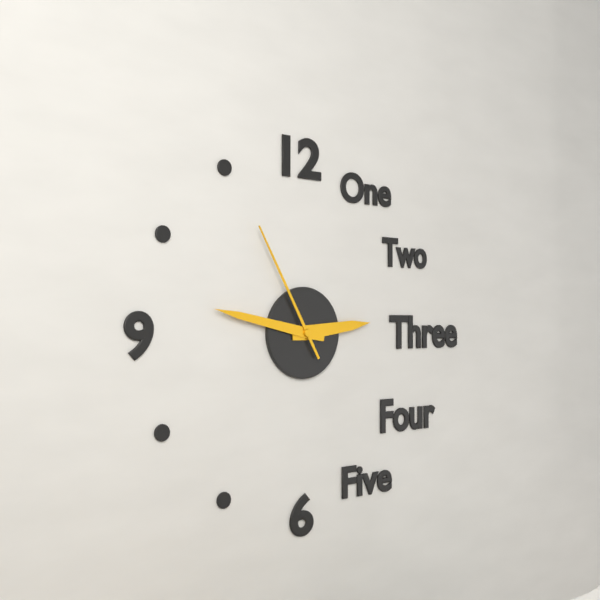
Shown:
**2:47:55**
